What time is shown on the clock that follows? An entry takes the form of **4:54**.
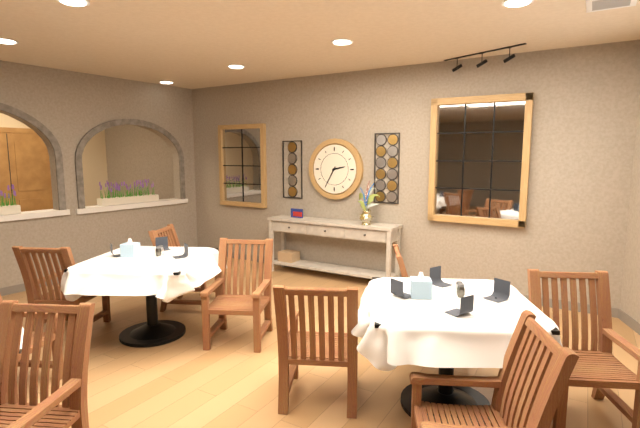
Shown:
**2:35**
